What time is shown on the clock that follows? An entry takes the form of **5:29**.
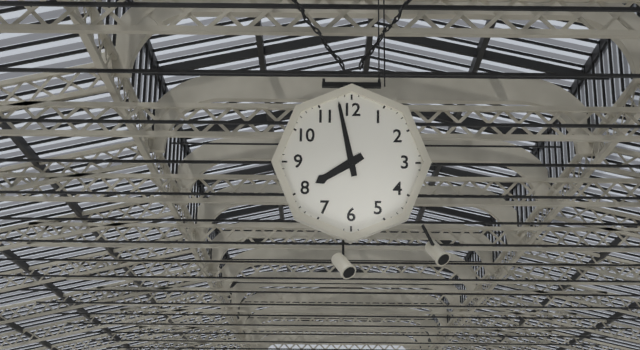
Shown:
**7:58**
